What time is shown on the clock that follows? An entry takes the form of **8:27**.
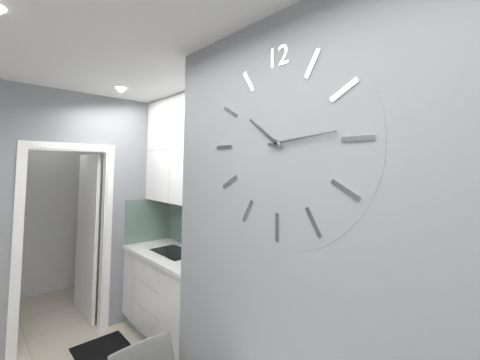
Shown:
**10:14**
